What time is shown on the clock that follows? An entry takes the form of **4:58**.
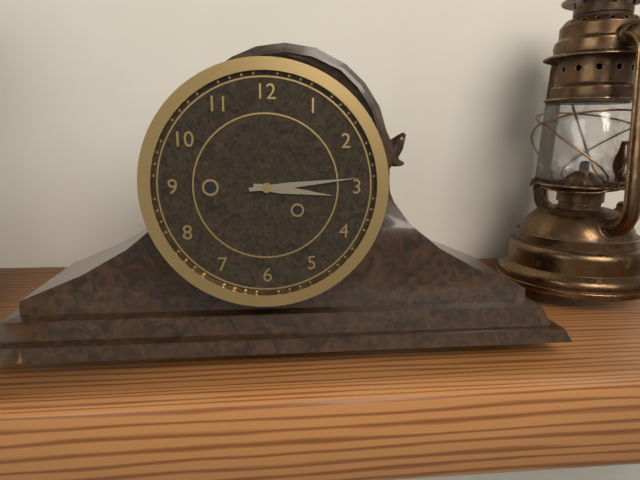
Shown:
**3:14**
